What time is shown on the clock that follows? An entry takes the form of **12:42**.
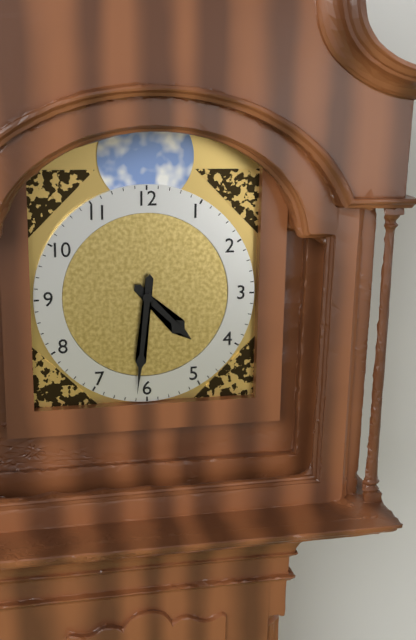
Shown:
**4:31**
